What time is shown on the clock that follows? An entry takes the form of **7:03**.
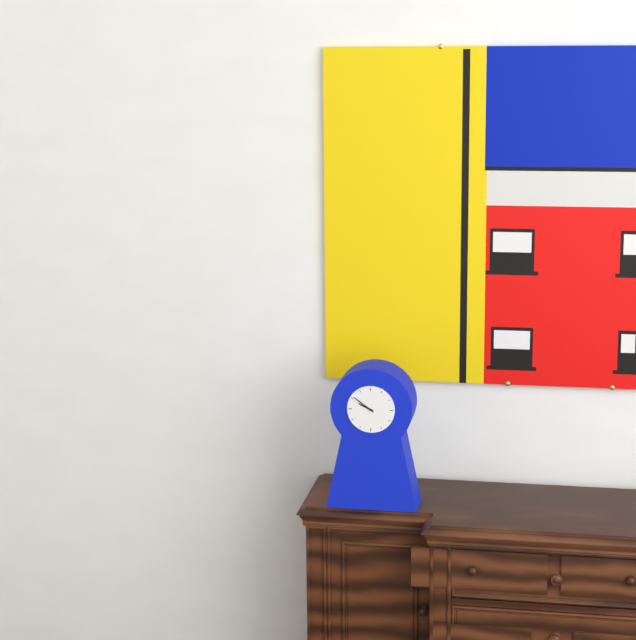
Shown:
**9:51**
